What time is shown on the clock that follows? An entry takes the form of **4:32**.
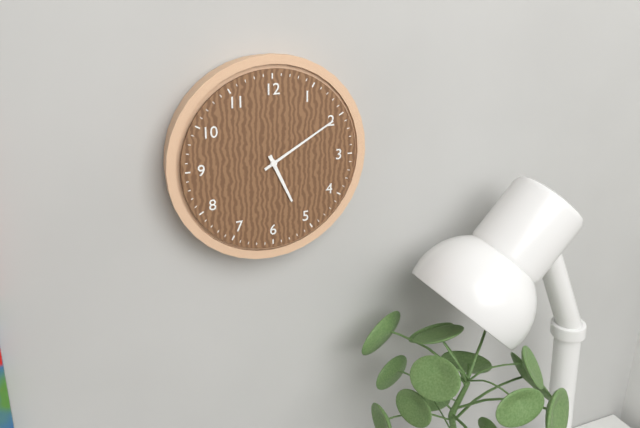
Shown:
**5:10**
